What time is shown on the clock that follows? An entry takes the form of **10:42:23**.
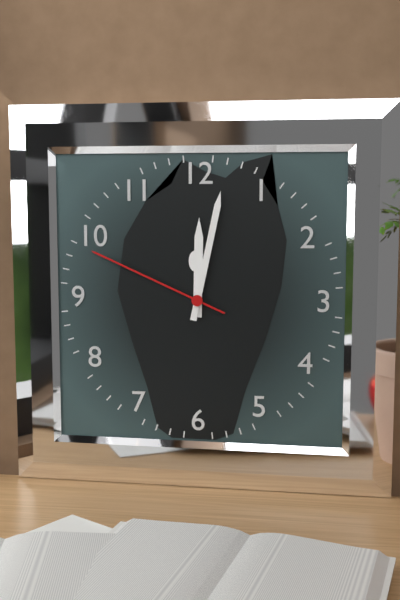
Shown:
**12:02:49**
